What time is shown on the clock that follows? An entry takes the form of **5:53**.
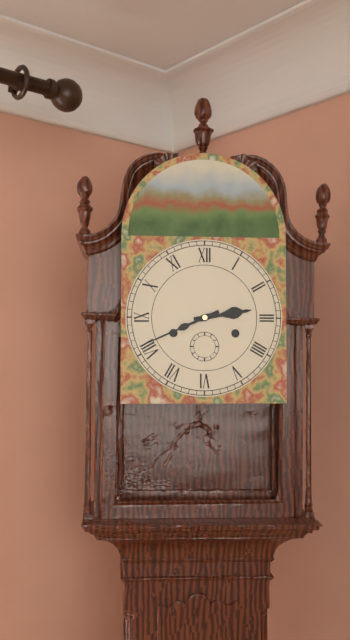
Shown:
**2:41**
